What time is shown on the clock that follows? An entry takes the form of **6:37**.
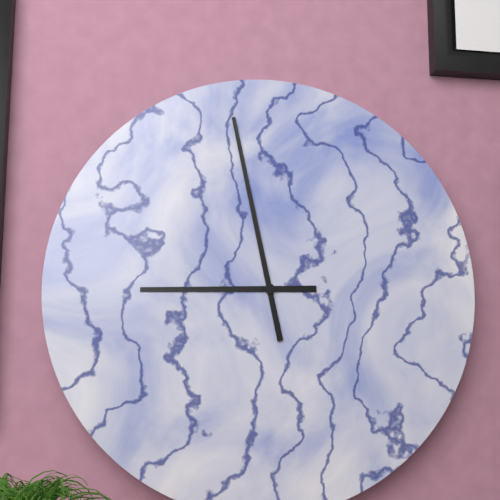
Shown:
**8:58**
